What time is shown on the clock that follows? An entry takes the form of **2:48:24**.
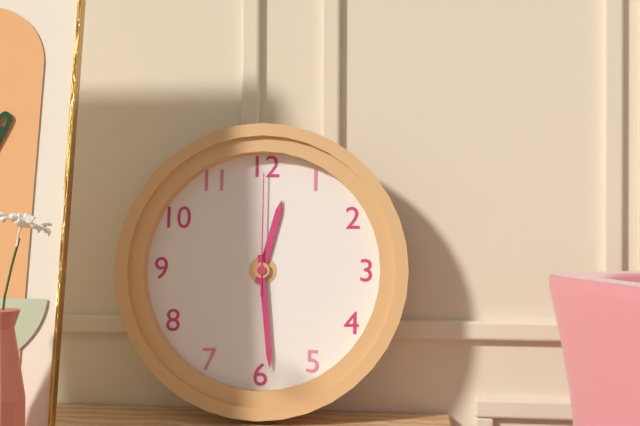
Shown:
**12:29:00**
